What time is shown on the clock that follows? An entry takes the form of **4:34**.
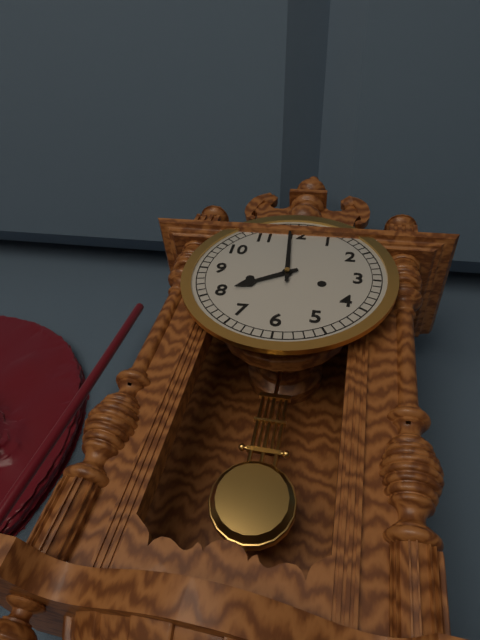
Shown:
**7:59**
